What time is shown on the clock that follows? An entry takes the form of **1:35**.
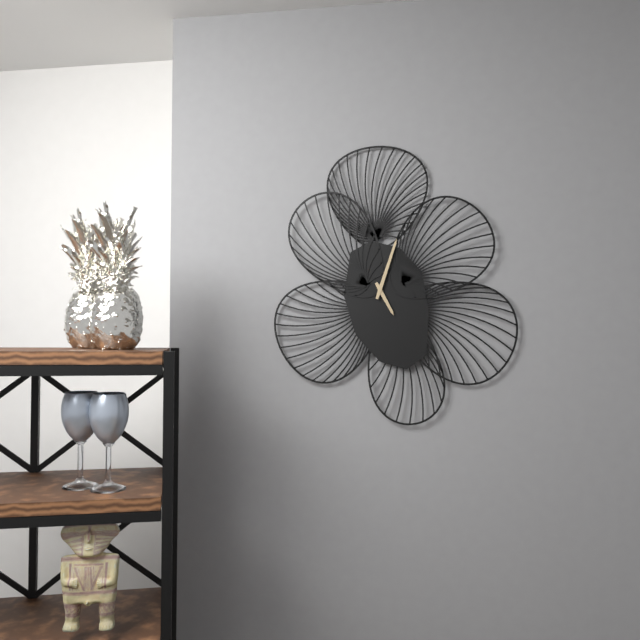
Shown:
**5:03**
